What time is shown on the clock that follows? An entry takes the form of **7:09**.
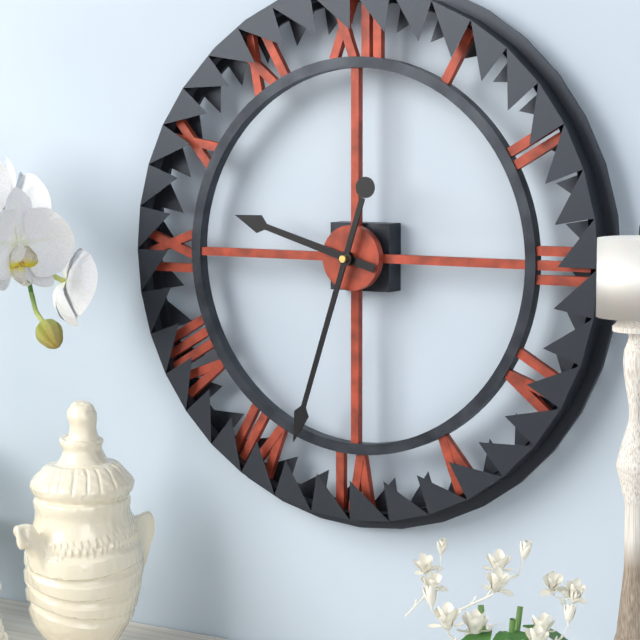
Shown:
**9:33**
